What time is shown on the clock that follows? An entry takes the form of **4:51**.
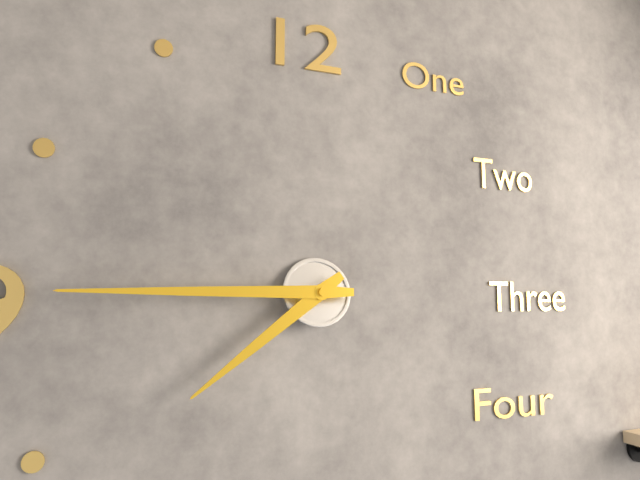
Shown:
**7:45**
